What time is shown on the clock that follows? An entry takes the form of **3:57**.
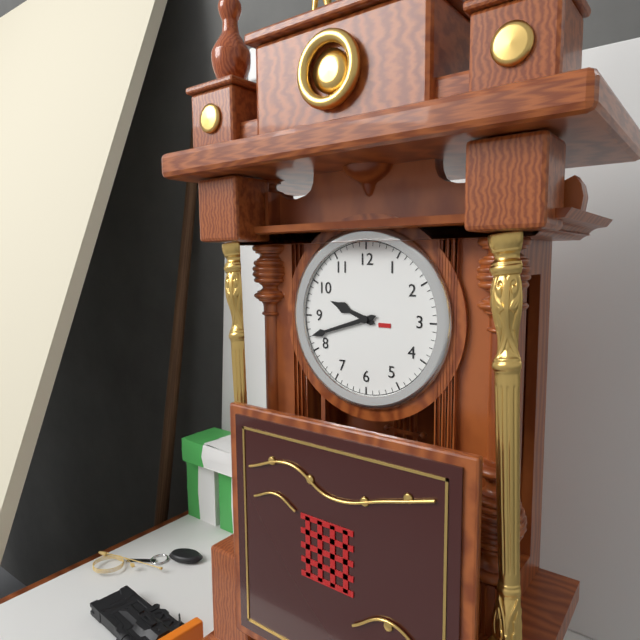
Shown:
**9:42**
